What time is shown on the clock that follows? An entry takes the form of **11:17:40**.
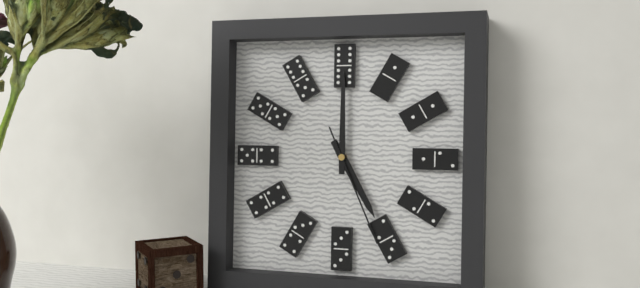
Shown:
**5:00:26**
